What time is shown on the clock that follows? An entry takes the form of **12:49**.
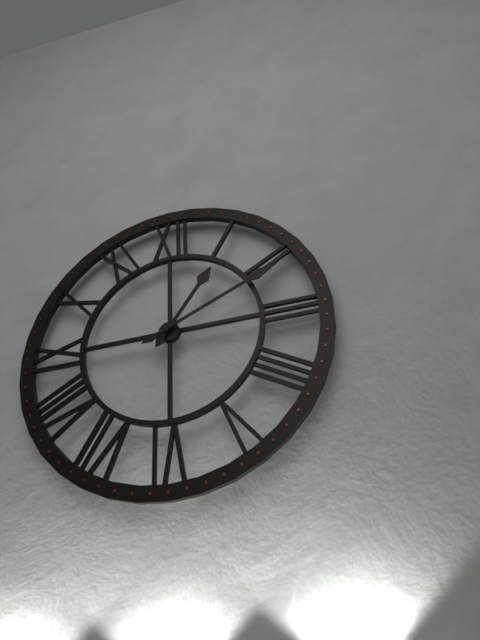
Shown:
**1:11**
